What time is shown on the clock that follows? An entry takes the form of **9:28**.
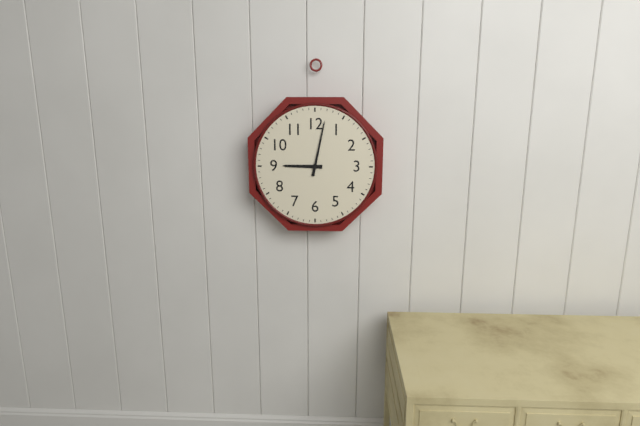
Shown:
**9:02**
